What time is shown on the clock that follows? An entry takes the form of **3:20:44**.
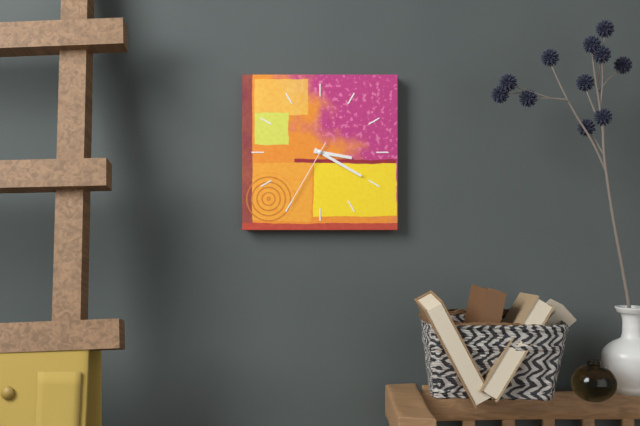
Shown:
**3:20:35**
